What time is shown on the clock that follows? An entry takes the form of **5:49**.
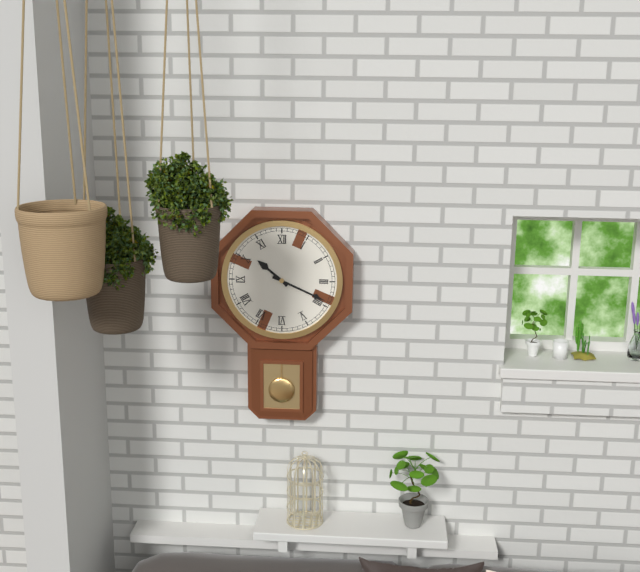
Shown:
**10:19**
